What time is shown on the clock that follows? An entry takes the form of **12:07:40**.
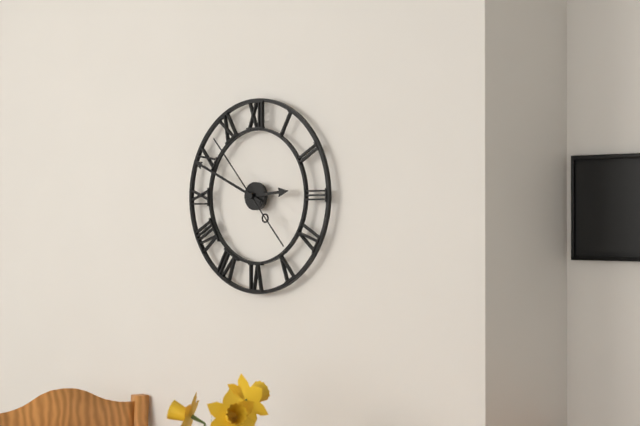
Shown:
**2:49:53**
